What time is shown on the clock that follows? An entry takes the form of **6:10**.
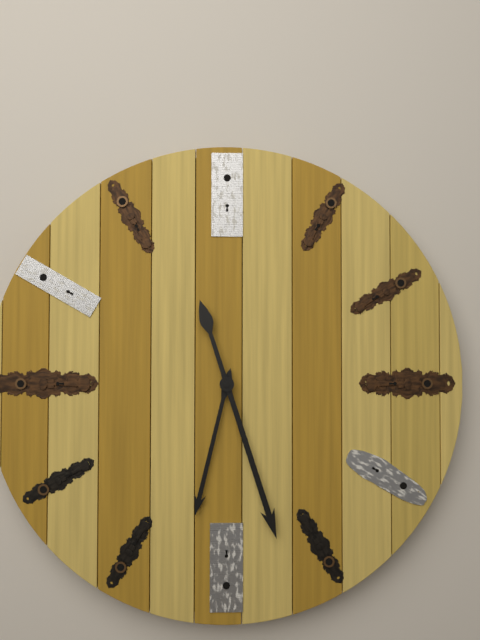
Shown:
**6:27**
